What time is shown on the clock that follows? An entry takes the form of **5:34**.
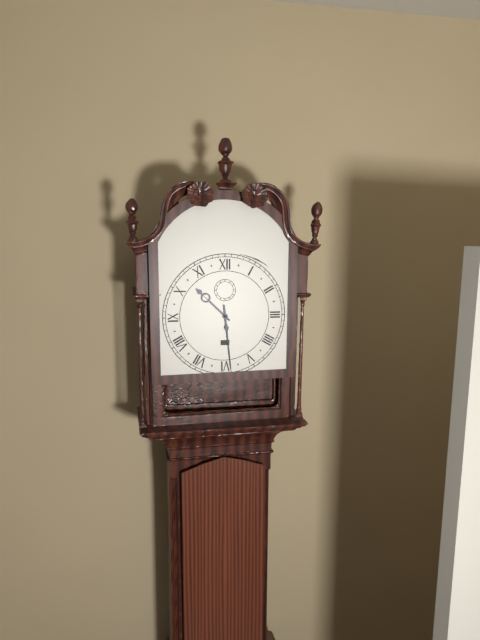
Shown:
**10:29**
